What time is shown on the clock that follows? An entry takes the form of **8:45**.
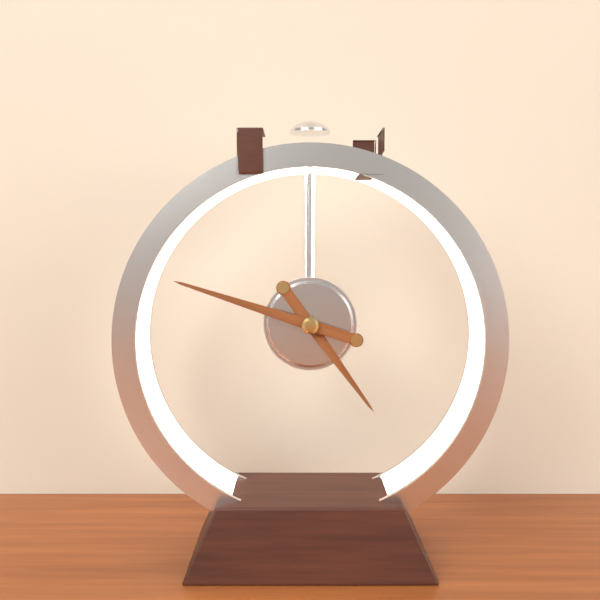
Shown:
**4:48**
